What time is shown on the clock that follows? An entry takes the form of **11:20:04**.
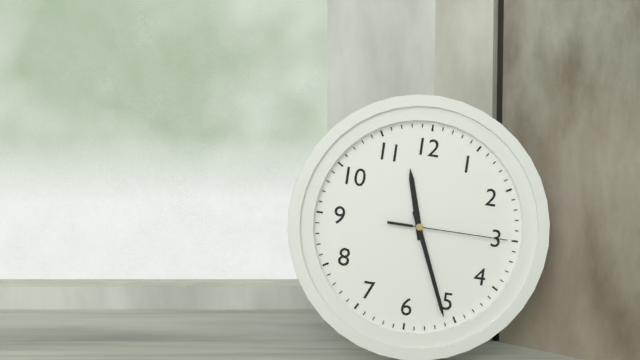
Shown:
**11:26:15**
